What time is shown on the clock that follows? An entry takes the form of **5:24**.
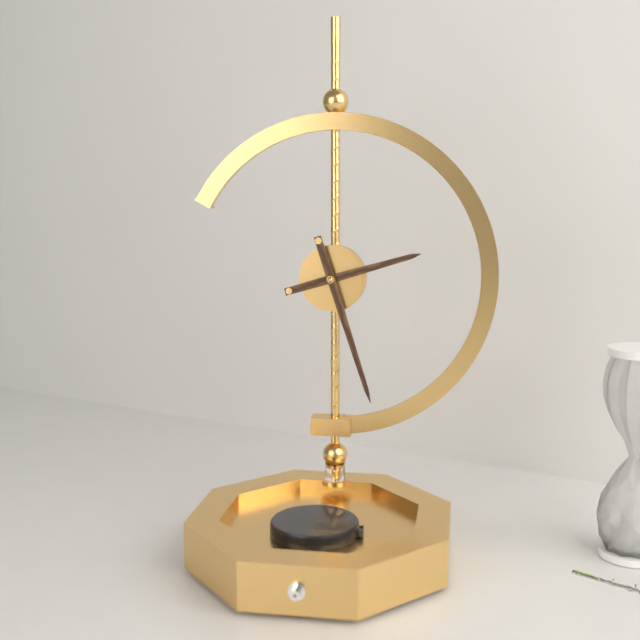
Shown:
**2:27**
